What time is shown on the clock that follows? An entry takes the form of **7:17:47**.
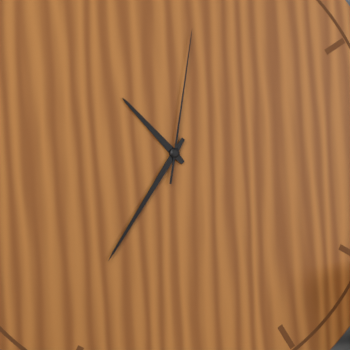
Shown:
**10:36:02**
